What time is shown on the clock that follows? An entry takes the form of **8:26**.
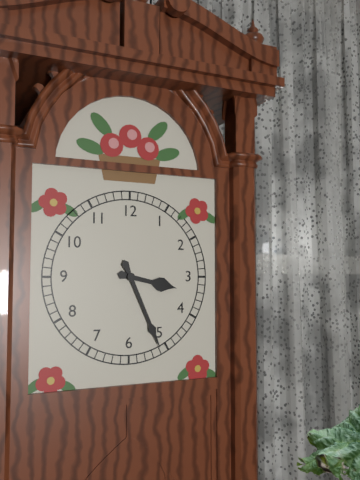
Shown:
**3:26**
